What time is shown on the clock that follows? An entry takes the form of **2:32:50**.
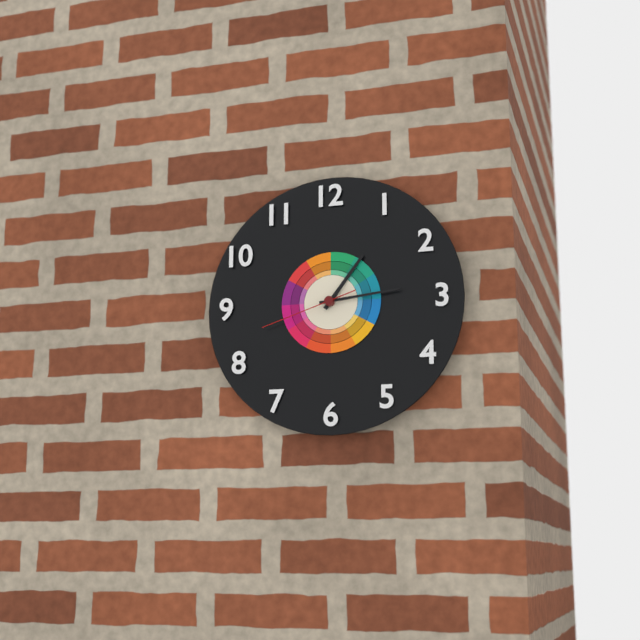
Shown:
**1:14:42**
